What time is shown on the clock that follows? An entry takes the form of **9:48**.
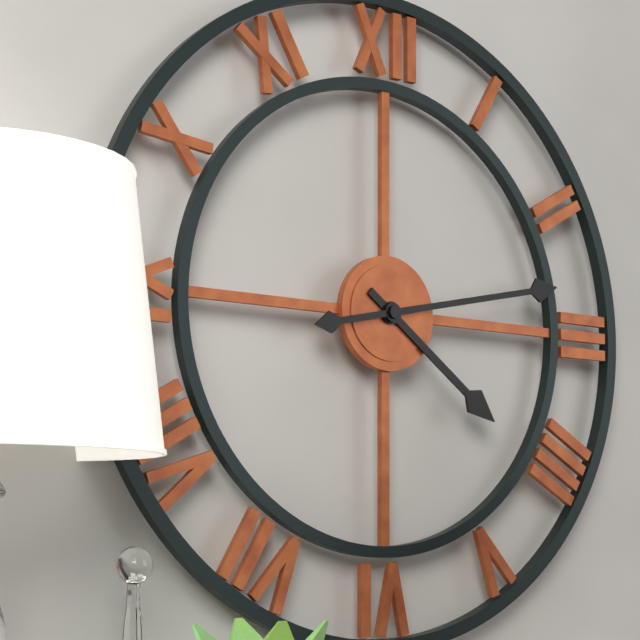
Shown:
**4:13**
